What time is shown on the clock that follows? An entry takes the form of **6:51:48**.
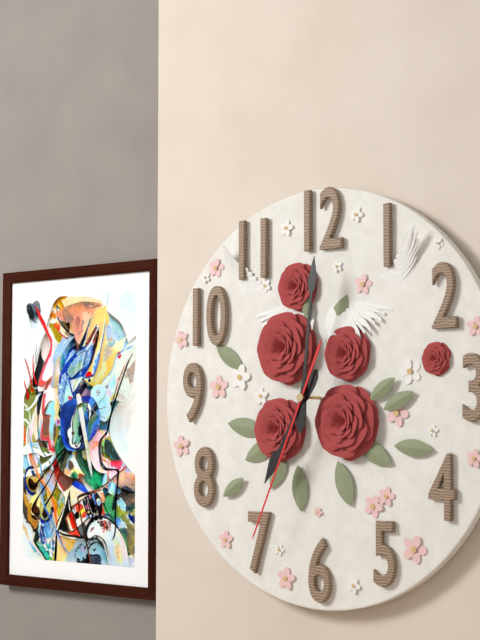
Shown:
**7:01:34**
